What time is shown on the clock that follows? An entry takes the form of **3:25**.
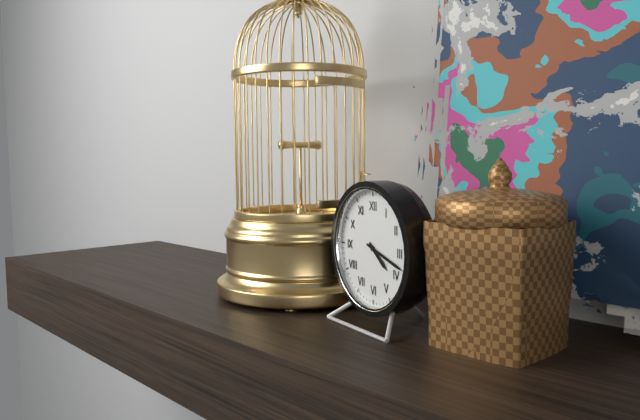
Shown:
**4:18**
